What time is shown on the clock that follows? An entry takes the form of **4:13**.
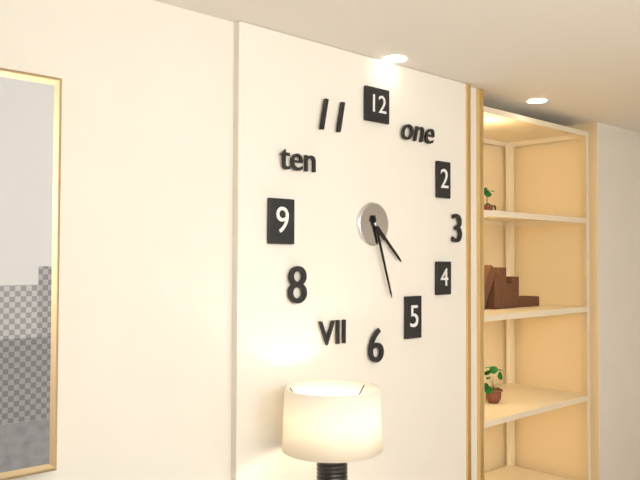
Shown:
**4:27**
